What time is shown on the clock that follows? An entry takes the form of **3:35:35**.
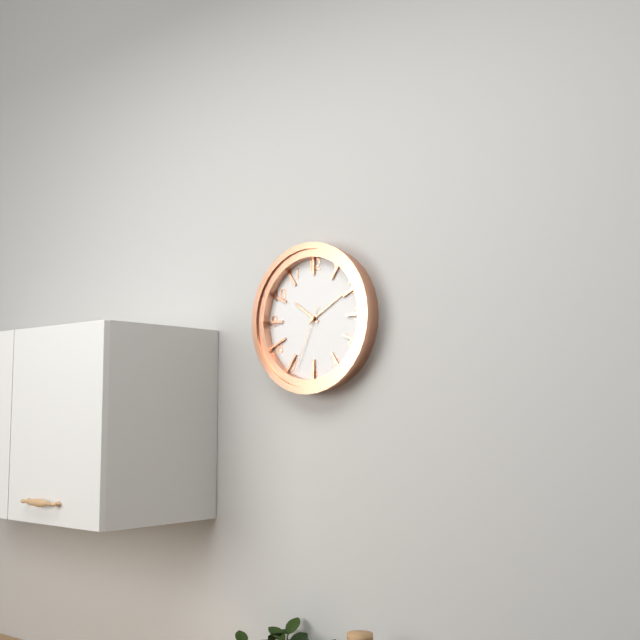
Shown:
**10:10:34**
